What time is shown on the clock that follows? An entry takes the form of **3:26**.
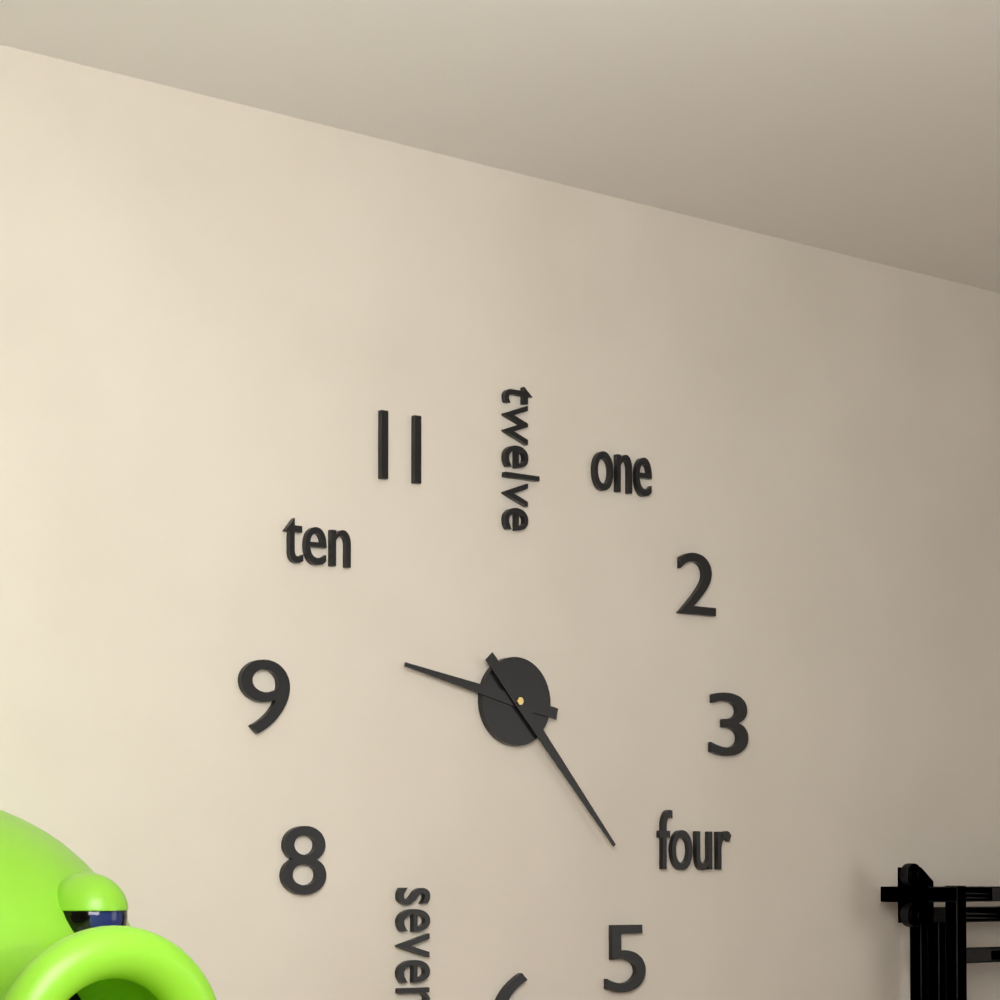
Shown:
**9:23**
